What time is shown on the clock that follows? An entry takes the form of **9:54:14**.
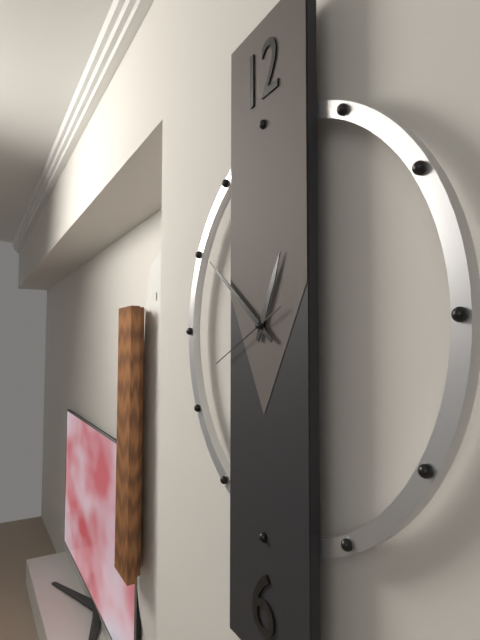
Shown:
**12:51:41**
